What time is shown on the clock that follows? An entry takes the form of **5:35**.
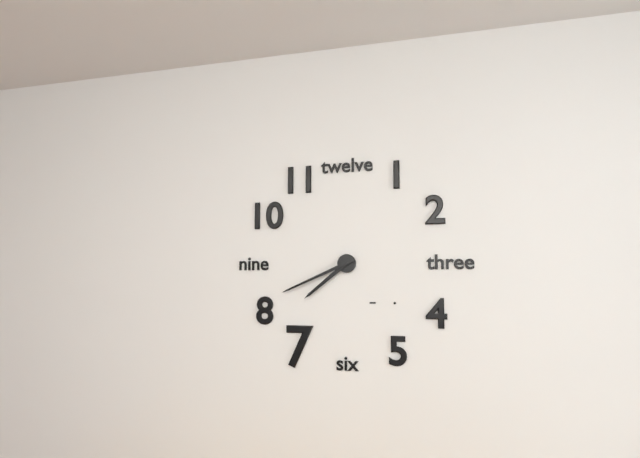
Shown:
**7:41**
